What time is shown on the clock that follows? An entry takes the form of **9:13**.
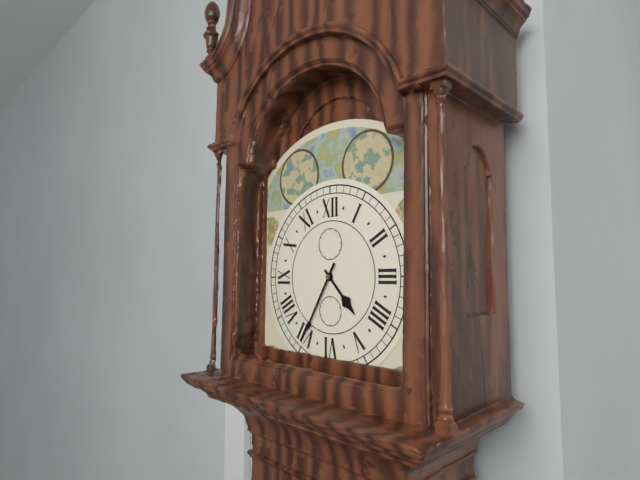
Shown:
**4:35**
